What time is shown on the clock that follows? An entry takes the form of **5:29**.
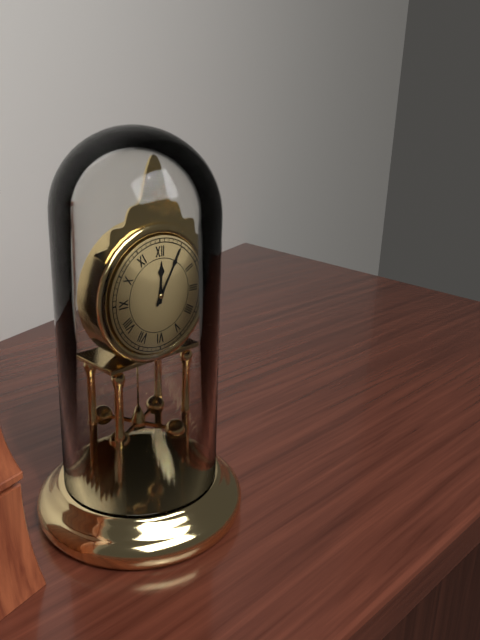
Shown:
**12:05**
